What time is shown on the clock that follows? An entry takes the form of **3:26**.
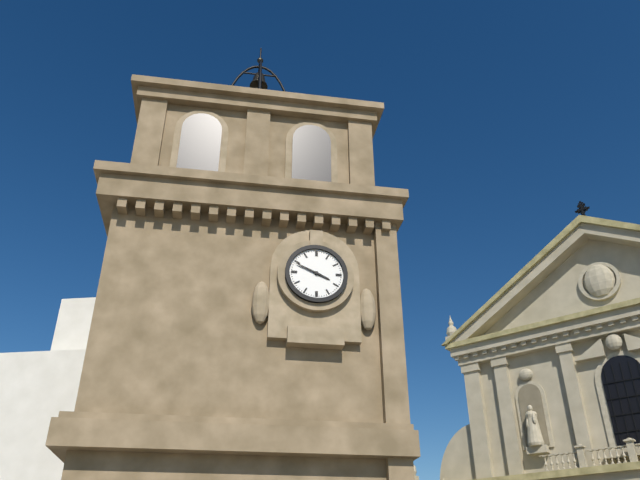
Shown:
**3:49**
